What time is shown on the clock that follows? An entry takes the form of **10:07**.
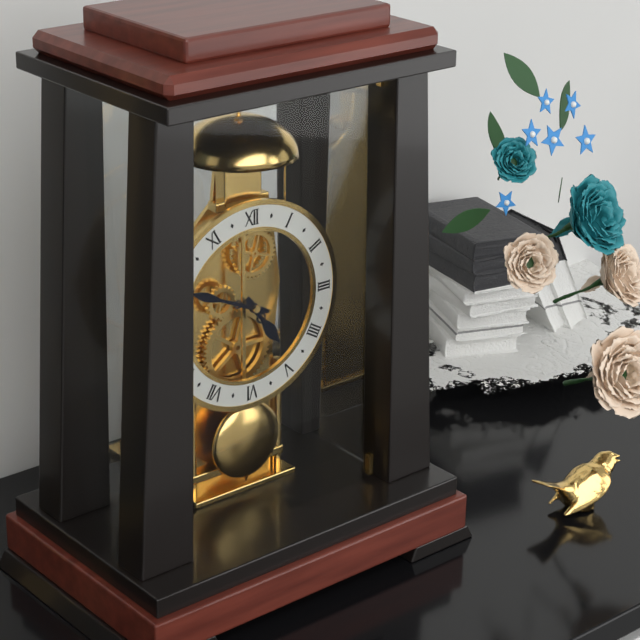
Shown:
**4:49**
